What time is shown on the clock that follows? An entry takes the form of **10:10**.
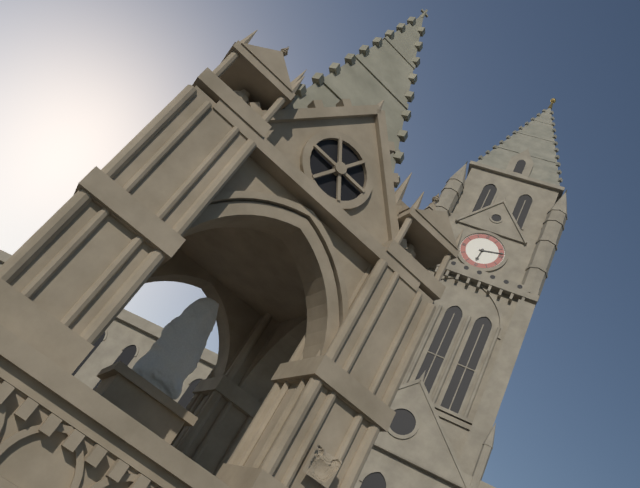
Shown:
**6:13**
